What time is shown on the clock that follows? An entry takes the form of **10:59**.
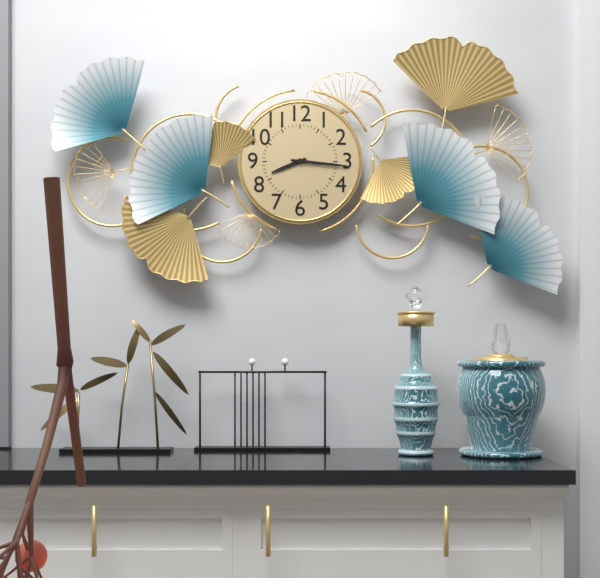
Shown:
**8:16**
